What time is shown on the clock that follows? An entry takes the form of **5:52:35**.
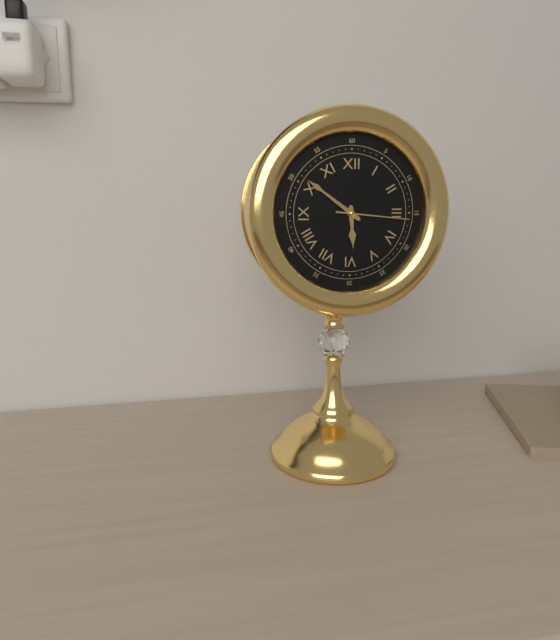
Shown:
**5:51:16**
